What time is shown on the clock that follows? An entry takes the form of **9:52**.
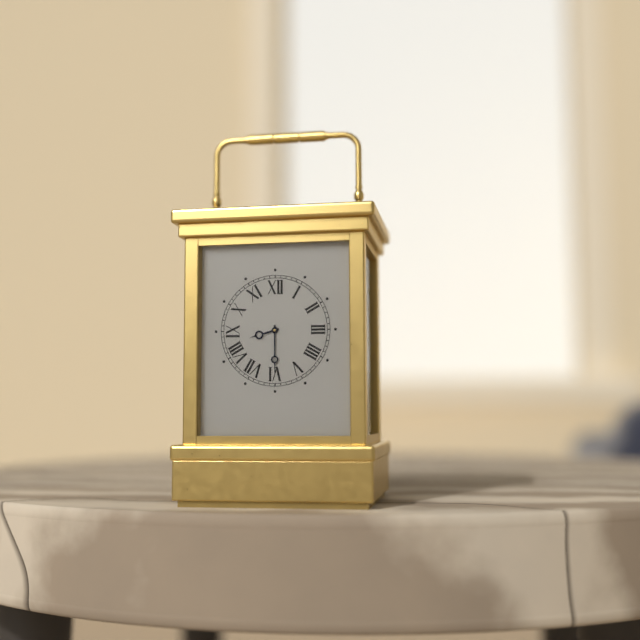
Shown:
**8:30**
